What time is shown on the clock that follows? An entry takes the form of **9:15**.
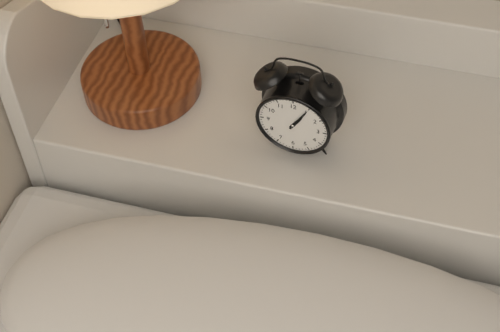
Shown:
**1:05**
